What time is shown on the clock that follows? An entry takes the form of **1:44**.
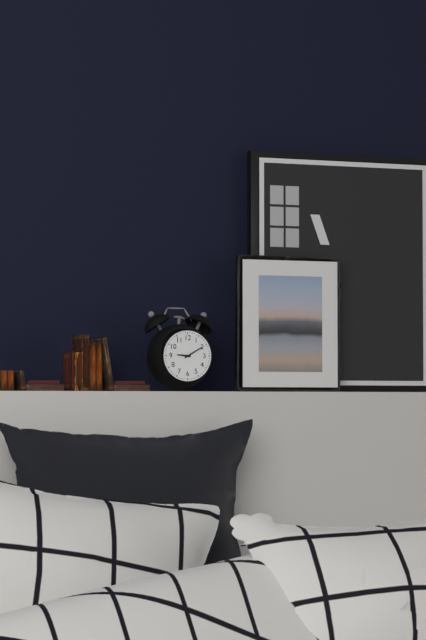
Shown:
**9:10**
